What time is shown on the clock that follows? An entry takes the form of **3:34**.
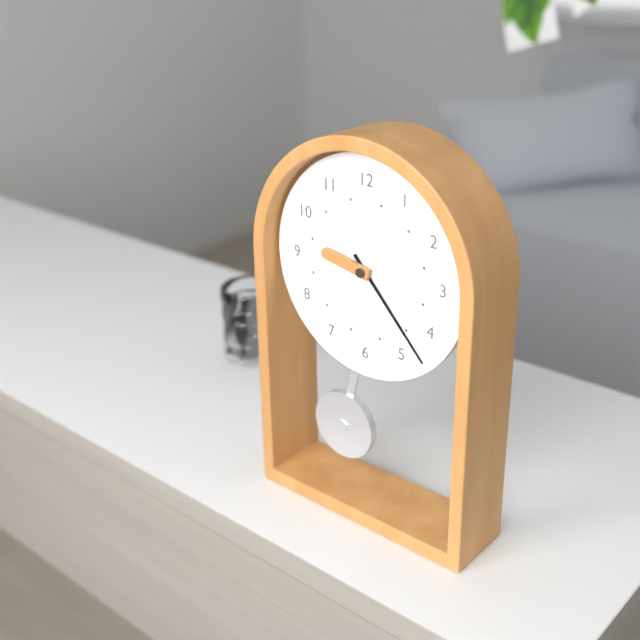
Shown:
**9:23**
